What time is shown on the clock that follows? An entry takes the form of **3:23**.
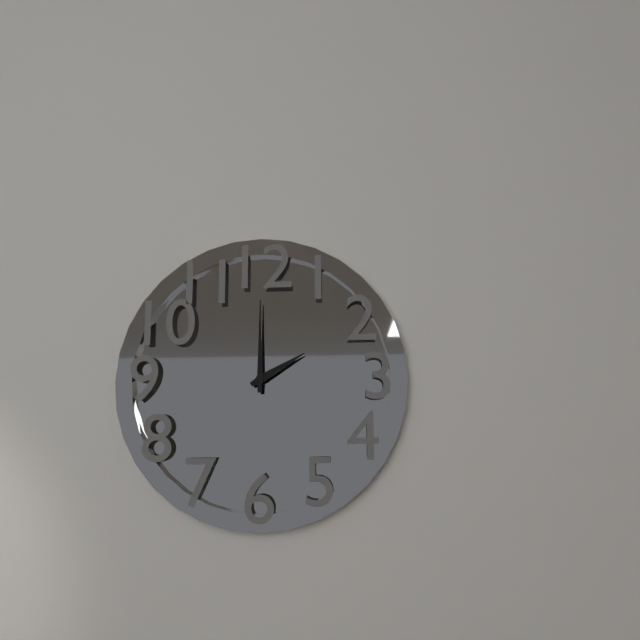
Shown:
**2:00**
